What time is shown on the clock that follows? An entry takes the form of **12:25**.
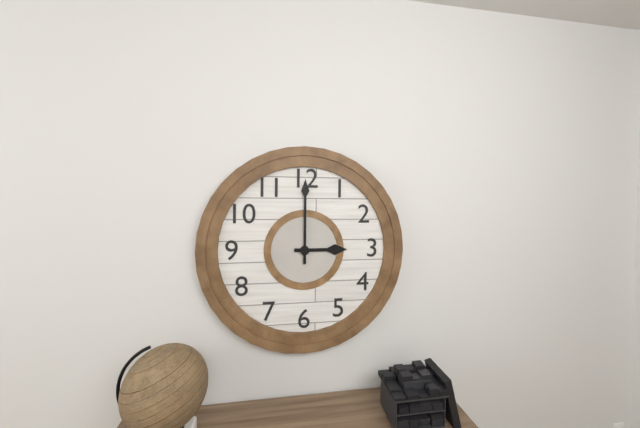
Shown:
**3:00**
